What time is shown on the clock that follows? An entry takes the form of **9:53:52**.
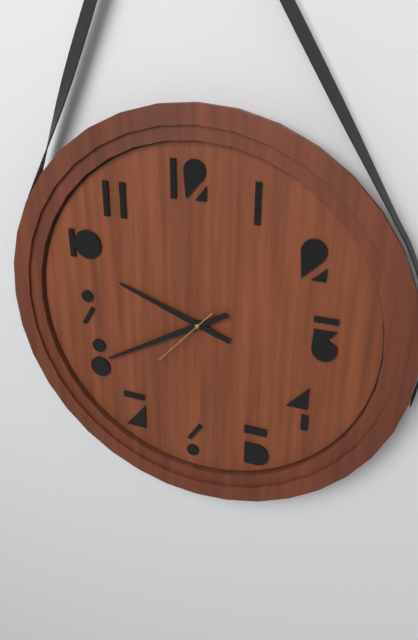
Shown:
**9:40:37**
